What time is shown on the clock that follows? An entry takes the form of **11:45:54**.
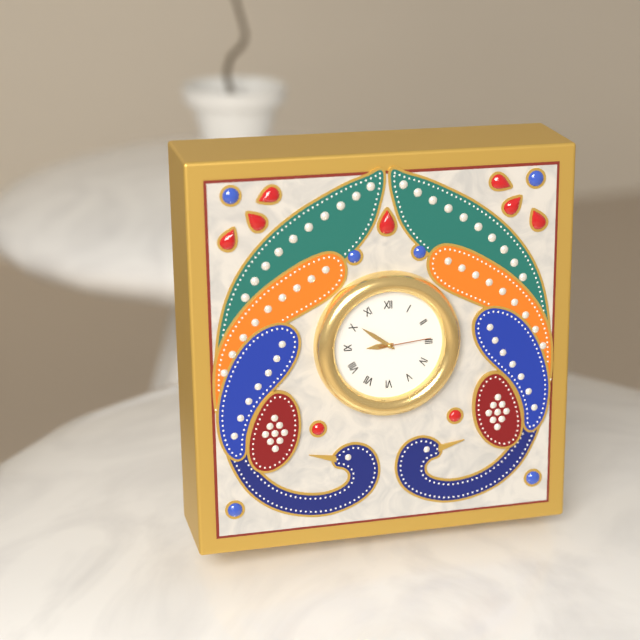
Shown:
**8:51:14**
